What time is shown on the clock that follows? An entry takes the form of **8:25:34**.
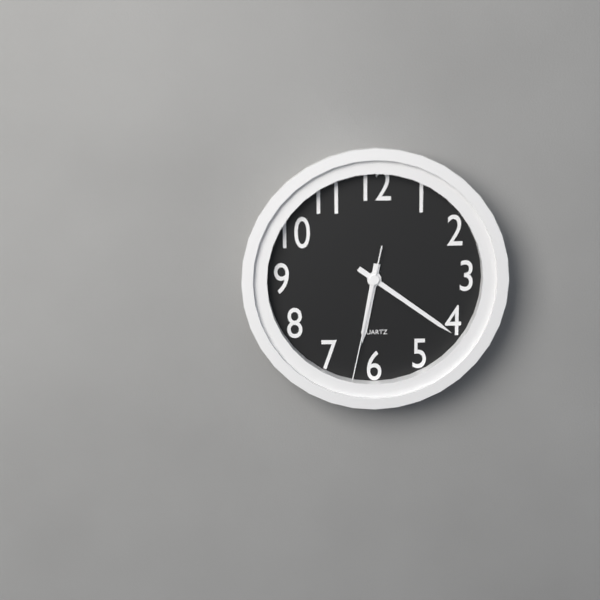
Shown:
**6:21:32**
